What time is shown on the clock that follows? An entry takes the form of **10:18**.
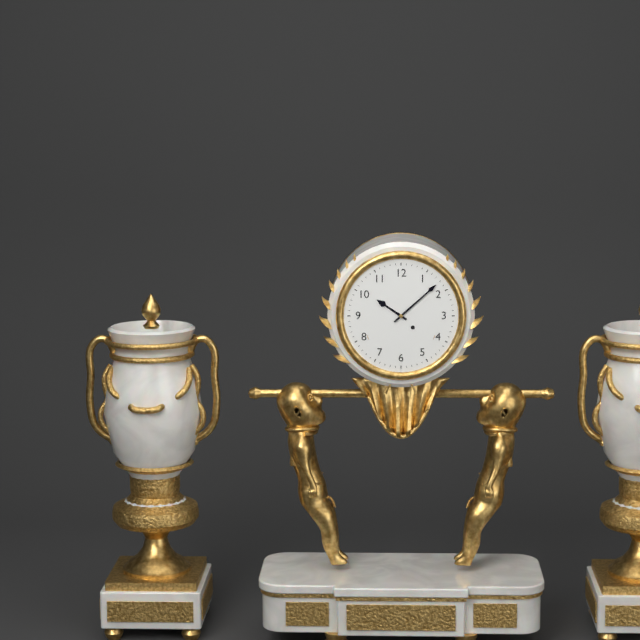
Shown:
**10:08**
